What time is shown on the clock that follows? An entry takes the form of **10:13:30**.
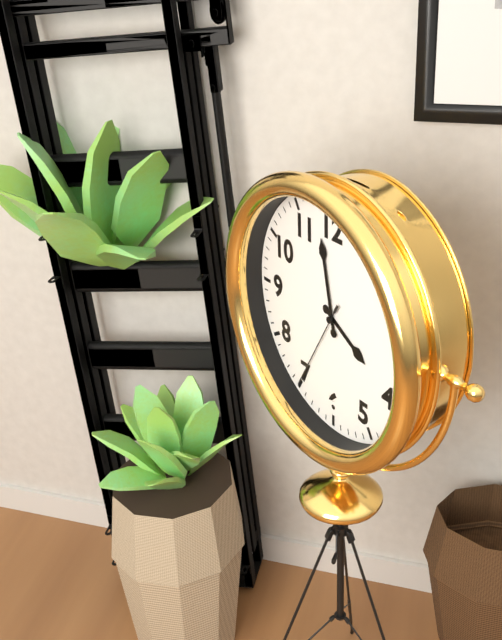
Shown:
**3:58:35**
